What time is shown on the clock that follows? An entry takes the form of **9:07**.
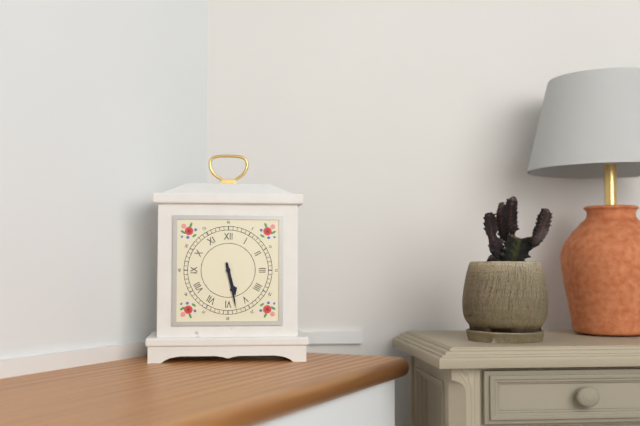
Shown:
**5:28**
